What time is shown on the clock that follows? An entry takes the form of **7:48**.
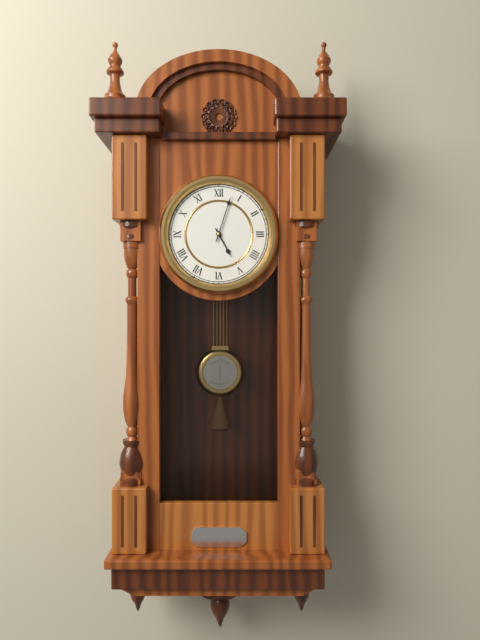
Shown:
**5:03**
